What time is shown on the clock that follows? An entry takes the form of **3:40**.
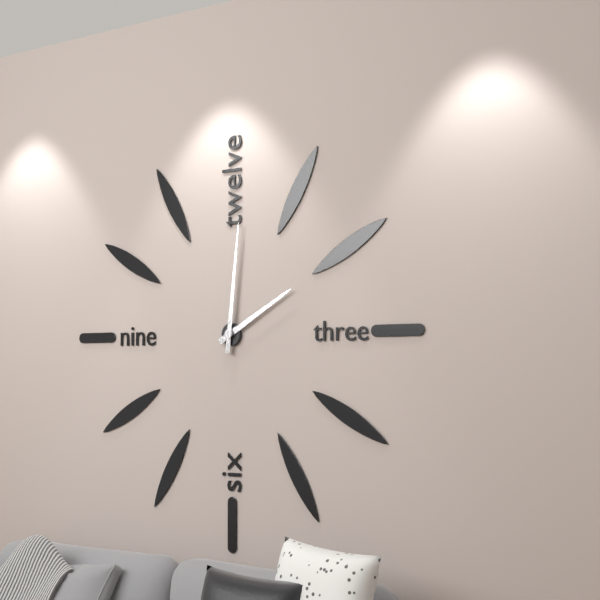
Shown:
**2:01**
